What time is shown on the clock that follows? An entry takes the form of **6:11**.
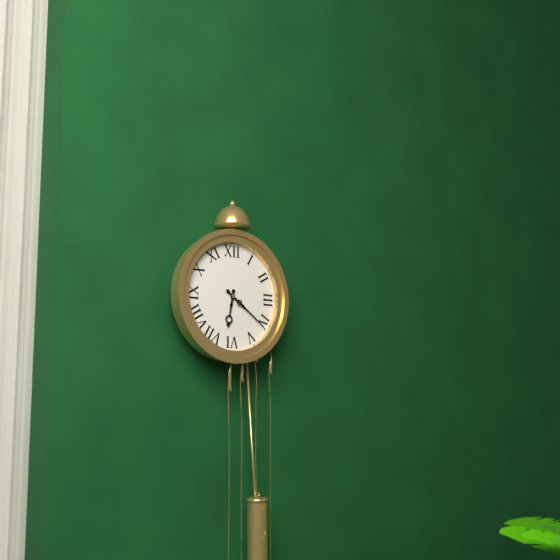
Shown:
**6:21**
